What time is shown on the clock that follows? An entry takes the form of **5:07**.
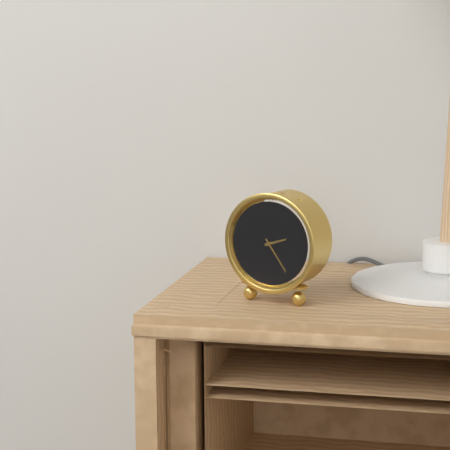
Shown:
**2:24**
